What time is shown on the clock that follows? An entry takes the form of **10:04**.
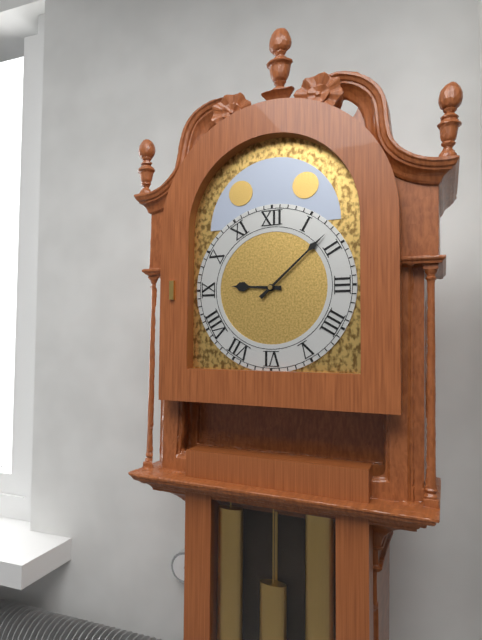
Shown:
**9:08**
